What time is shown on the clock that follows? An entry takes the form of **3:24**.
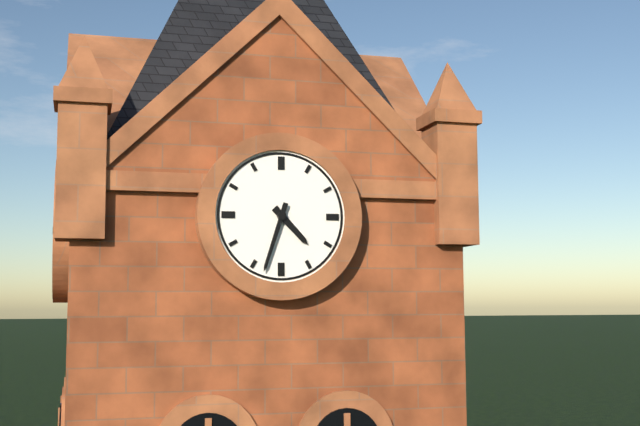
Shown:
**4:33**
